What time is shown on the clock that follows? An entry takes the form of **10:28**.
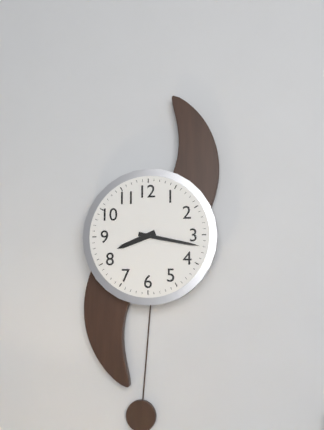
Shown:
**8:17**
